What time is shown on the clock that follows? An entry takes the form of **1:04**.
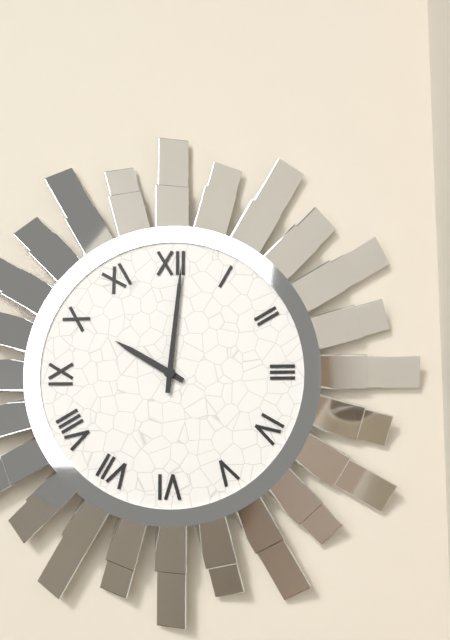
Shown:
**10:01**
